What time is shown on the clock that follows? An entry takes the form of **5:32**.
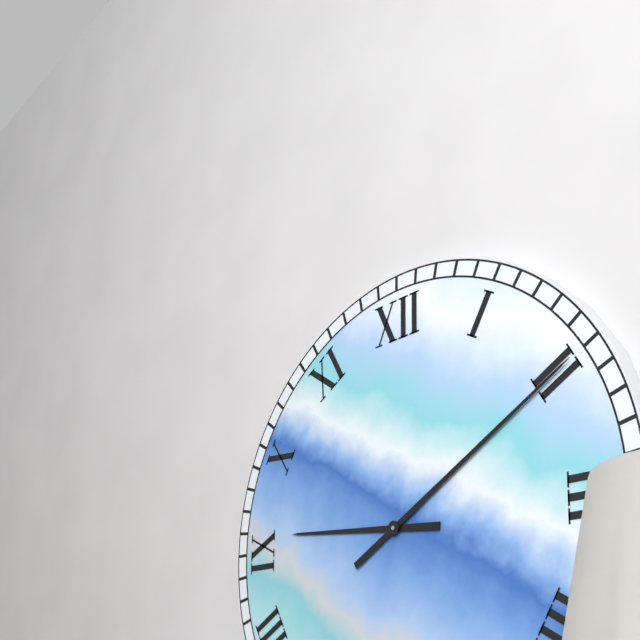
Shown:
**9:10**
